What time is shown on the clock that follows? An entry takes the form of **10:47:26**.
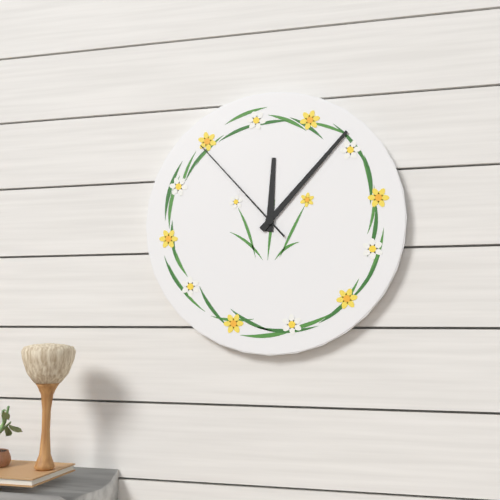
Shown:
**12:07:53**
